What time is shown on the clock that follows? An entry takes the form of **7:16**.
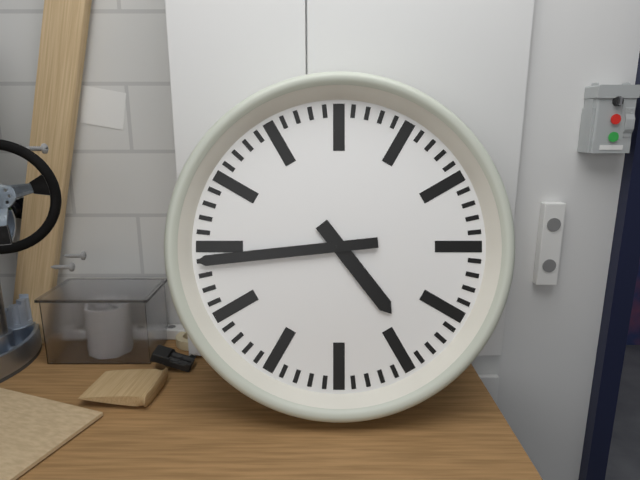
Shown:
**4:44**
